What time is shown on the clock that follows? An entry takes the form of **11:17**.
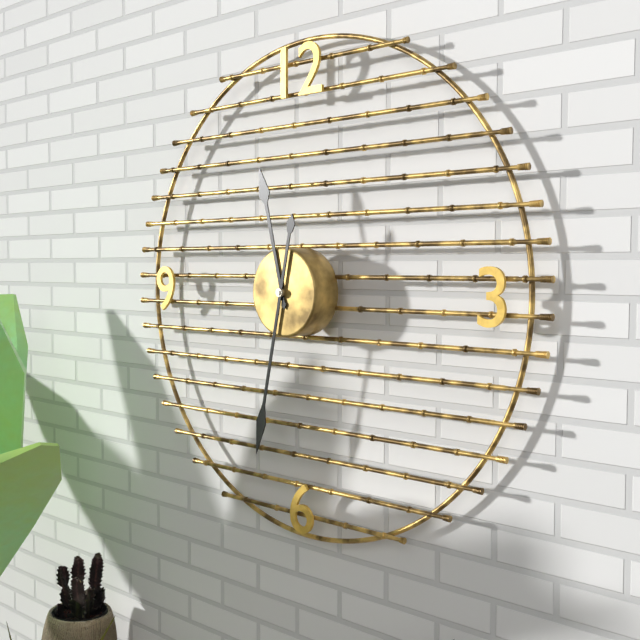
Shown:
**11:32**
